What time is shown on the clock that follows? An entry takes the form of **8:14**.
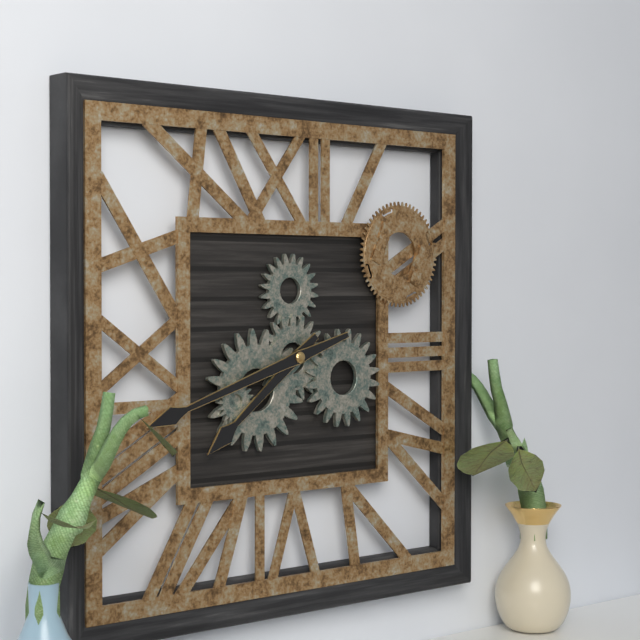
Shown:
**7:42**
